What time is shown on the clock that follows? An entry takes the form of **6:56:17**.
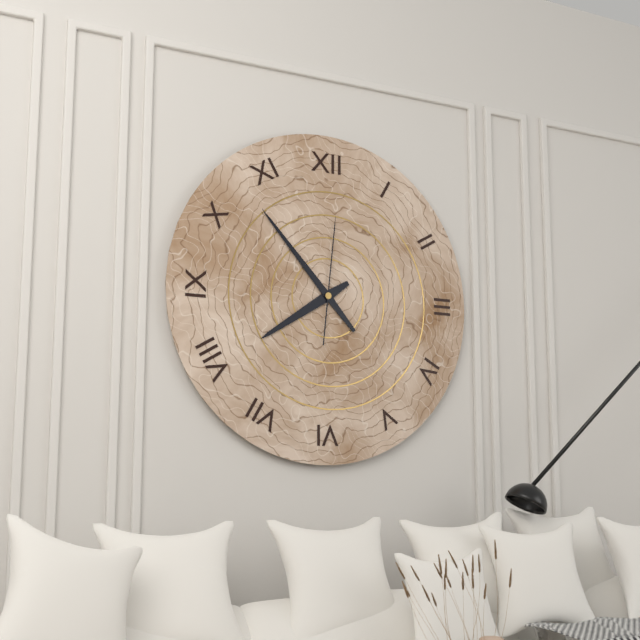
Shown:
**7:53:01**
